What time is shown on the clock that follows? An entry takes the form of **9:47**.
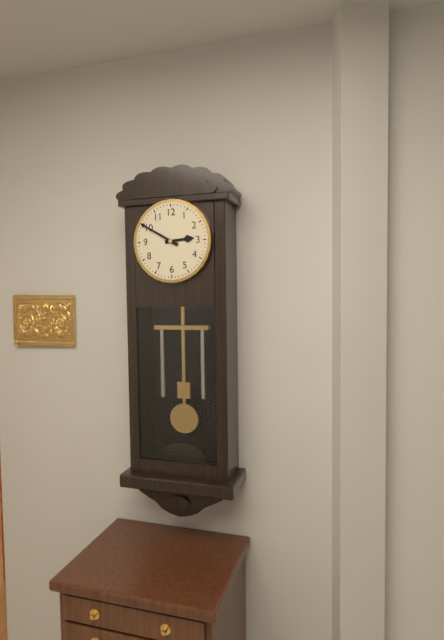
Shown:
**2:50**
